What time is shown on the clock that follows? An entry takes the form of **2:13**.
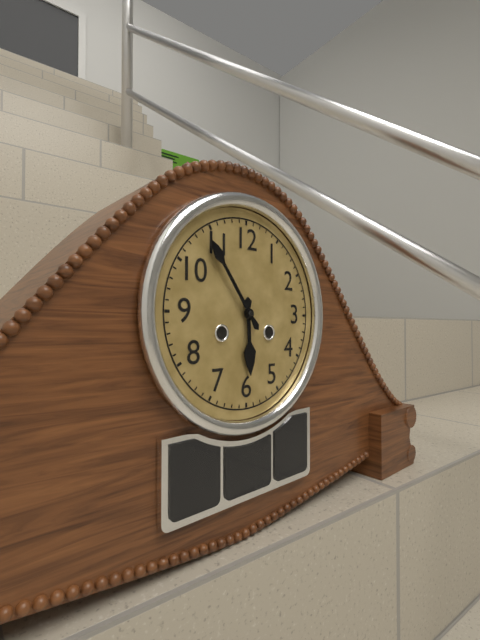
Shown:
**5:54**
